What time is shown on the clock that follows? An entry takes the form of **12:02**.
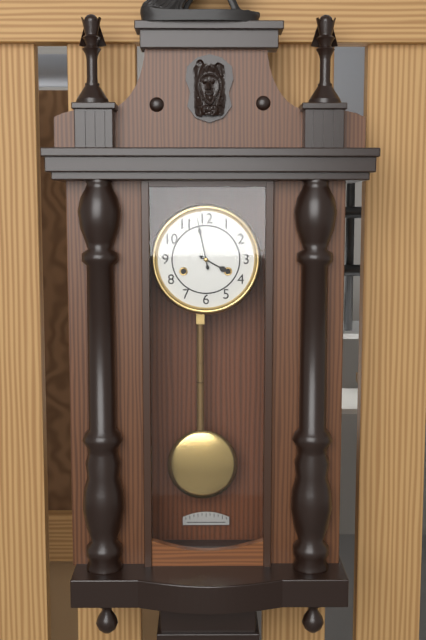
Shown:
**3:58**
